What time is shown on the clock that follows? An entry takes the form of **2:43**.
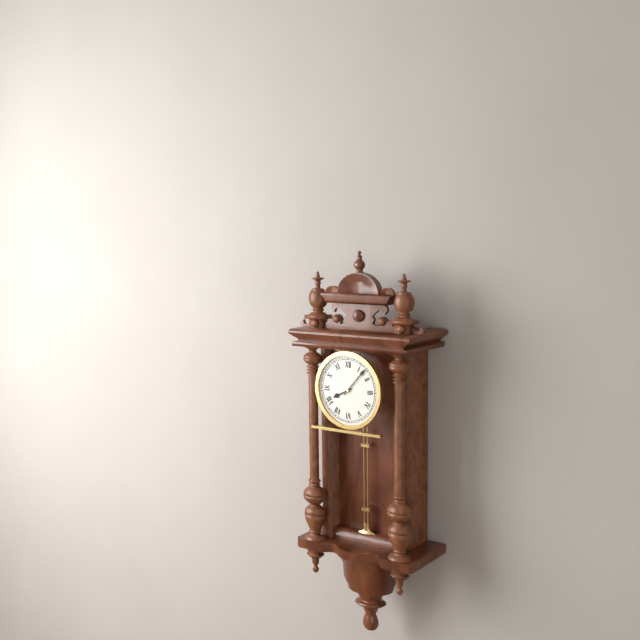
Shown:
**8:07**
